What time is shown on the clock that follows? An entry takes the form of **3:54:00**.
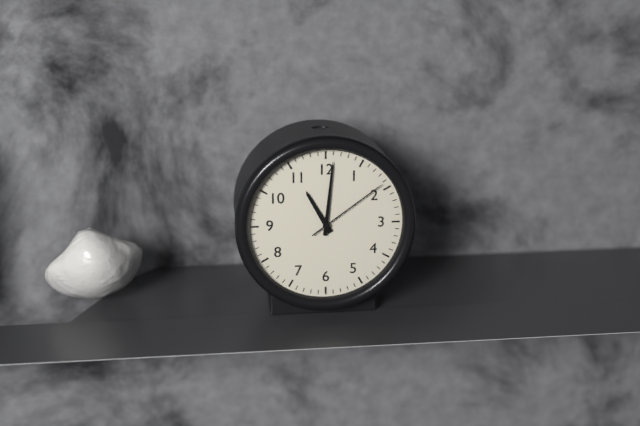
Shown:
**11:01:09**
